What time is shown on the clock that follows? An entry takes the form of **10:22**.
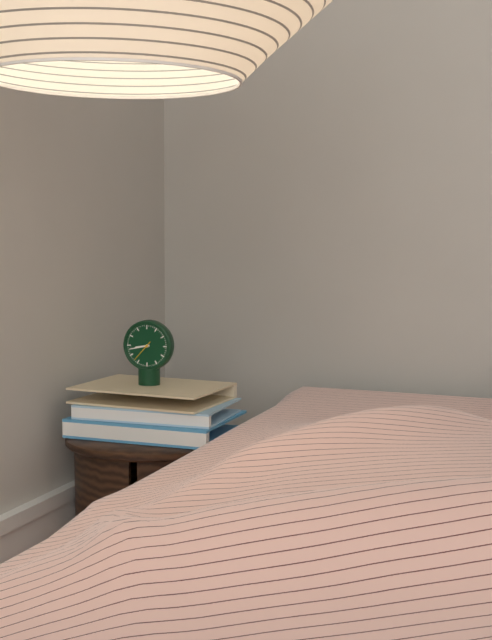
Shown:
**8:43**
